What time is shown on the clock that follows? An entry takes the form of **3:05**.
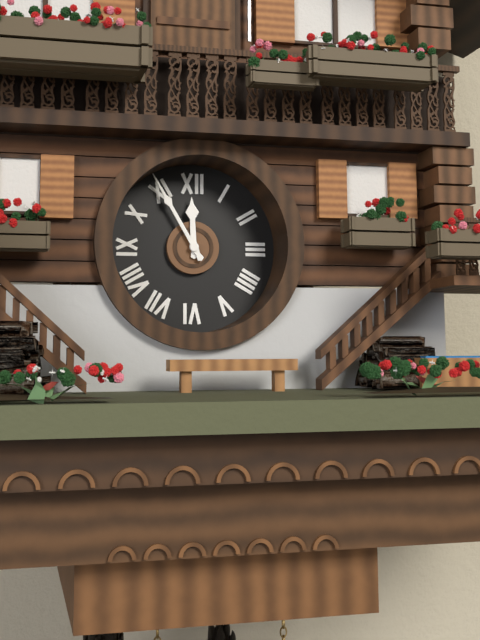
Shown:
**11:55**
